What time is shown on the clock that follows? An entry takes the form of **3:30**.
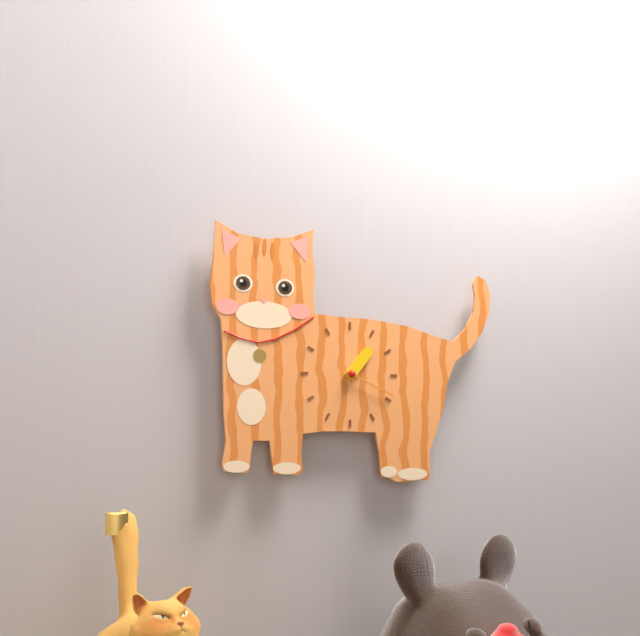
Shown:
**1:19**
